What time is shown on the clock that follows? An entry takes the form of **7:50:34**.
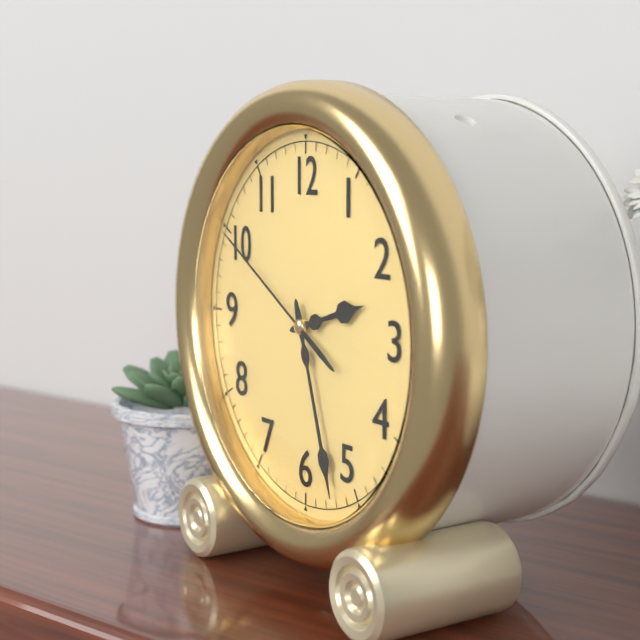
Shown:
**2:27:50**
